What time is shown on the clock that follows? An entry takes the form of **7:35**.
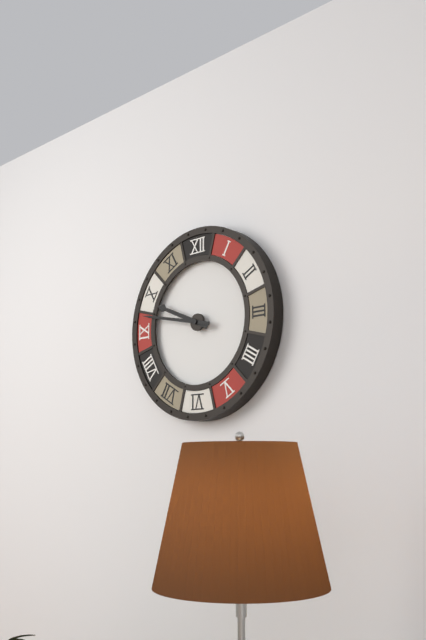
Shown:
**9:47**
